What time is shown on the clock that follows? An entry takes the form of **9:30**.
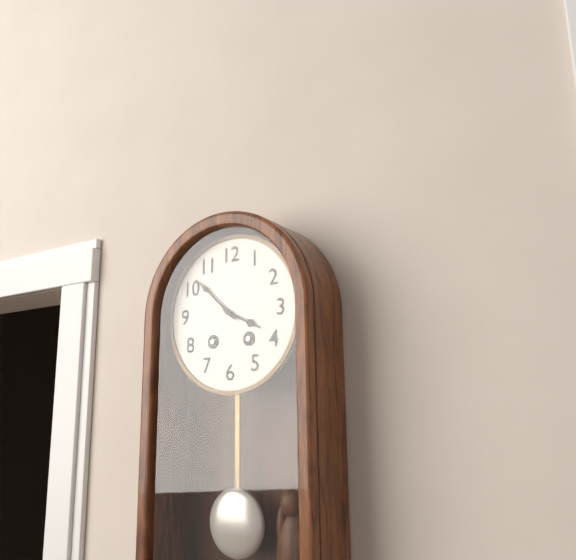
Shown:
**3:52**
